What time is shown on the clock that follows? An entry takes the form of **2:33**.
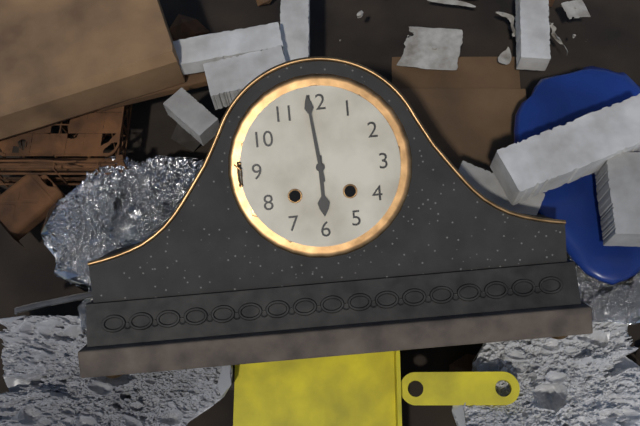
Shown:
**5:59**
